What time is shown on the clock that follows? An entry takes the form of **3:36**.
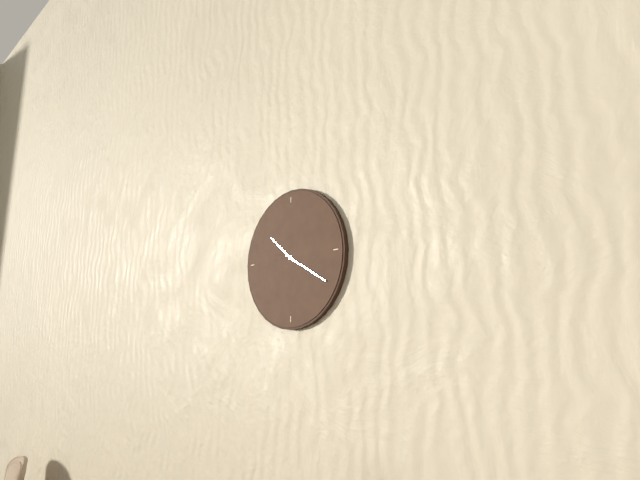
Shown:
**10:20**
